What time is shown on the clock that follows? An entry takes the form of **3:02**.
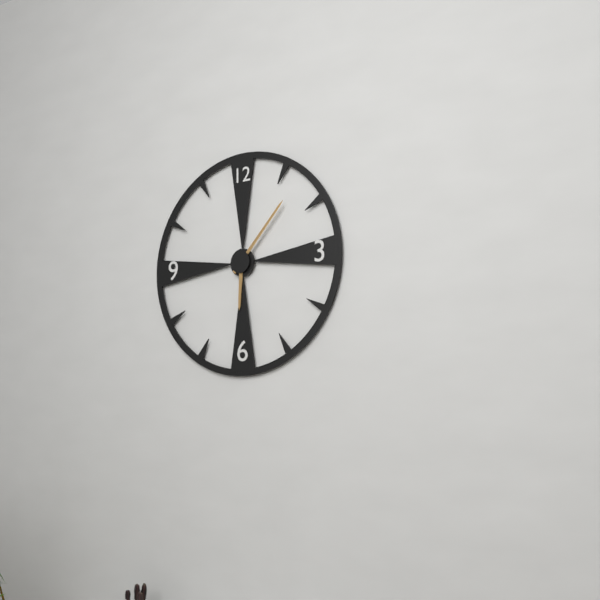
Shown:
**6:07**
